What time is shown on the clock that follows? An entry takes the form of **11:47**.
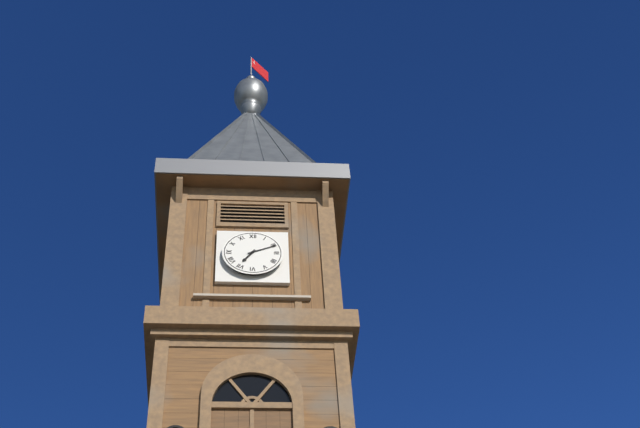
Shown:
**7:11**
